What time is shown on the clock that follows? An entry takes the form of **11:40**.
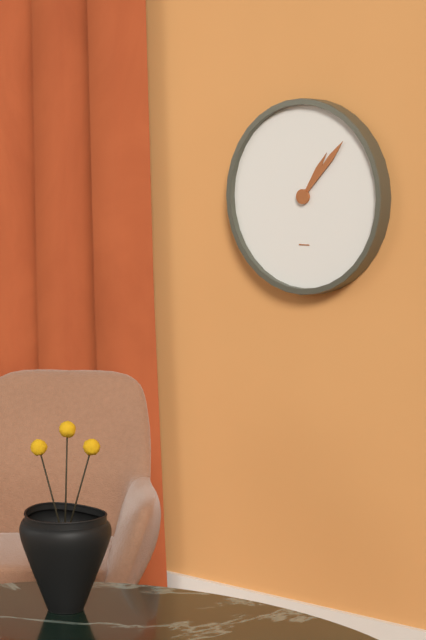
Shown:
**1:07**
